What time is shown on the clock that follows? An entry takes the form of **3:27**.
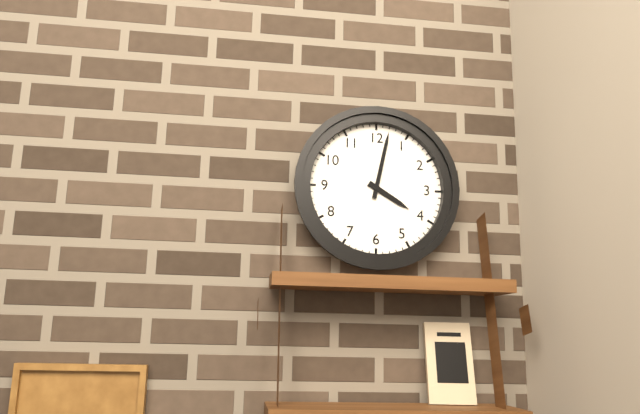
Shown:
**4:02**
